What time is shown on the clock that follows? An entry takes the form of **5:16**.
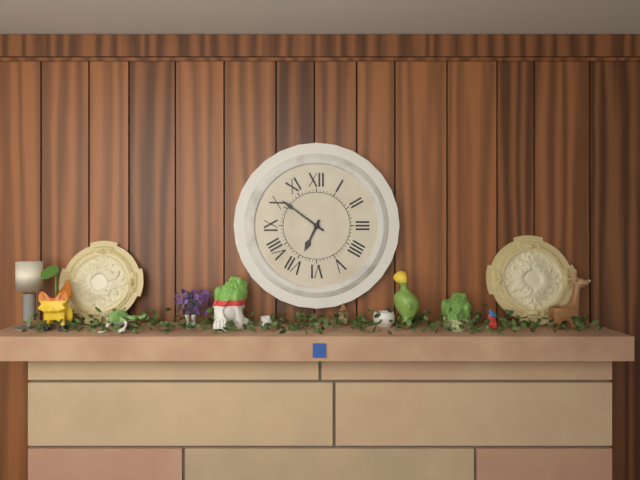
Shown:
**6:51**
